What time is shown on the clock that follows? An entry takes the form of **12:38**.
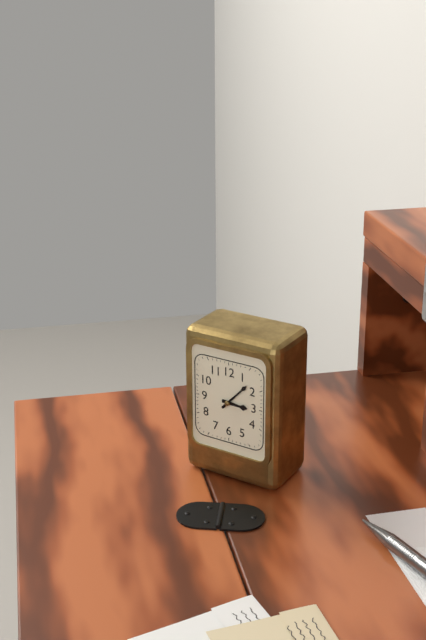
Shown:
**3:07**
